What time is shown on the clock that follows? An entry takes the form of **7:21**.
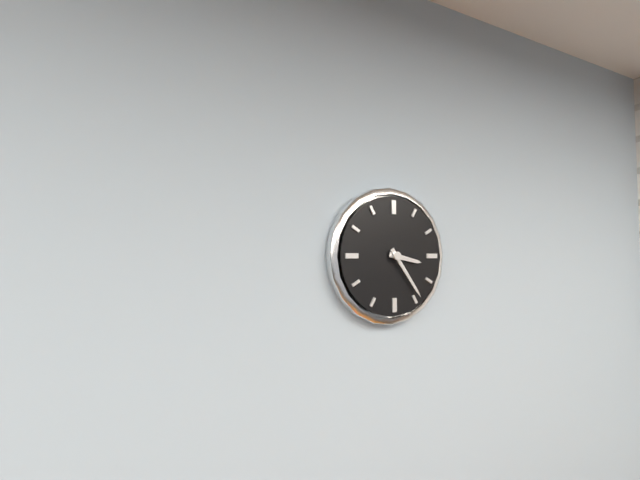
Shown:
**3:24**
